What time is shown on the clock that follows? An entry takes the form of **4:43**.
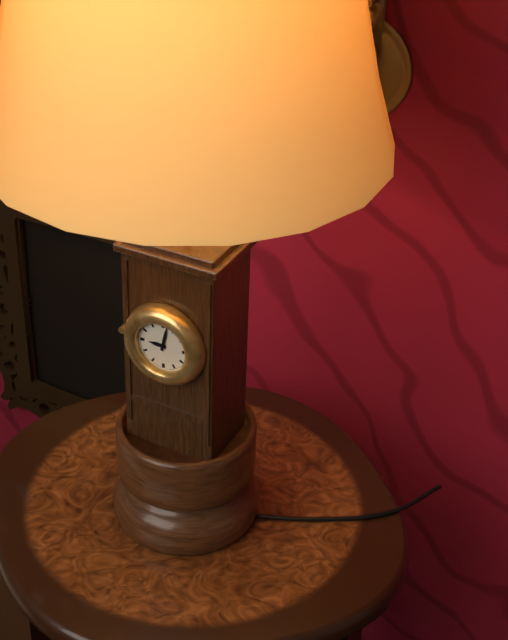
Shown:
**9:02**
